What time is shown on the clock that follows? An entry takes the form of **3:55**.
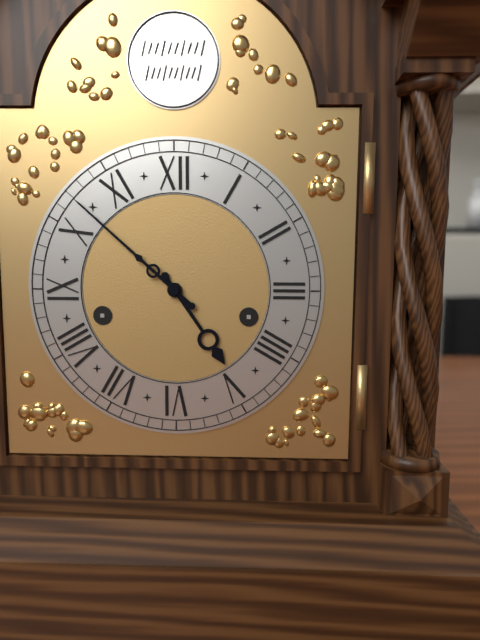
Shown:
**4:52**
